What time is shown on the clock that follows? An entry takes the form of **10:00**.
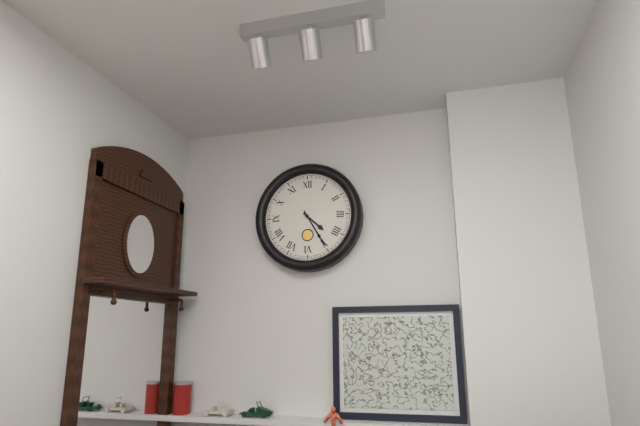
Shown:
**4:25**
